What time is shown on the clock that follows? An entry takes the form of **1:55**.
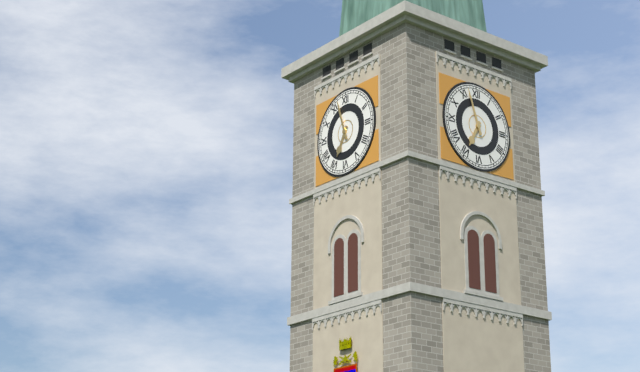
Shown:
**6:57**
